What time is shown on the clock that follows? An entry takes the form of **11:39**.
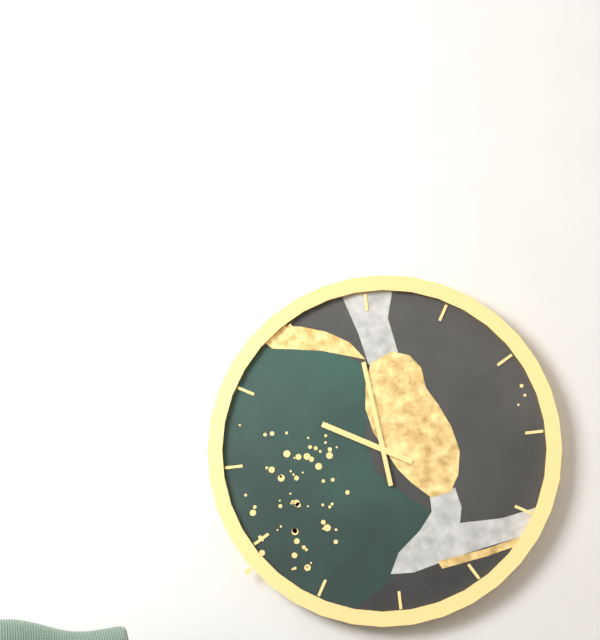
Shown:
**9:59**
